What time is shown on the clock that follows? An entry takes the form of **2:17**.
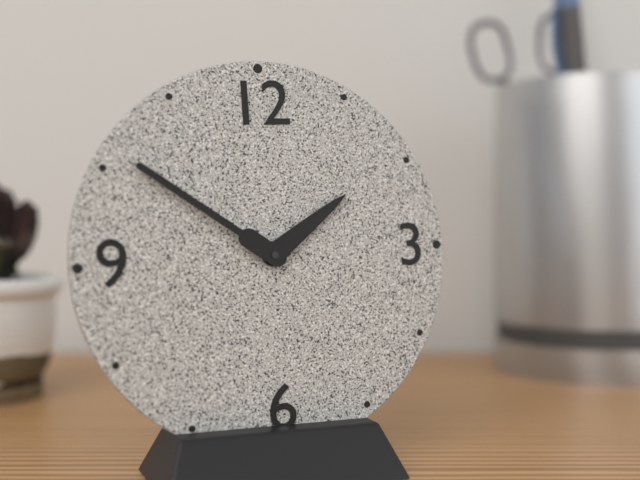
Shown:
**1:51**
